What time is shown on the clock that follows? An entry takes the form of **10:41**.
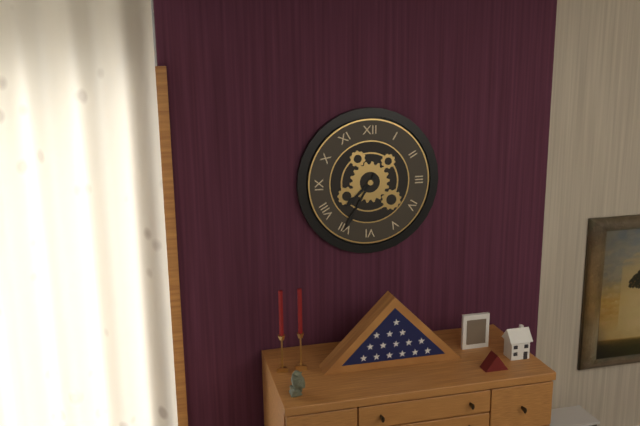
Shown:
**7:35**
